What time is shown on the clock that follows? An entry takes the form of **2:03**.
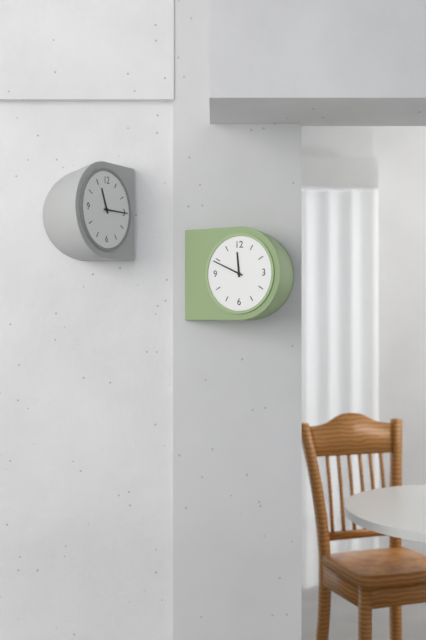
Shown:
**11:49**
